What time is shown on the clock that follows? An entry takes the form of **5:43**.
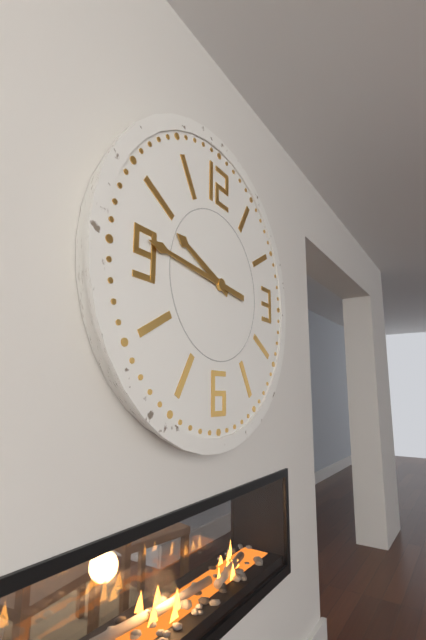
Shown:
**9:46**
